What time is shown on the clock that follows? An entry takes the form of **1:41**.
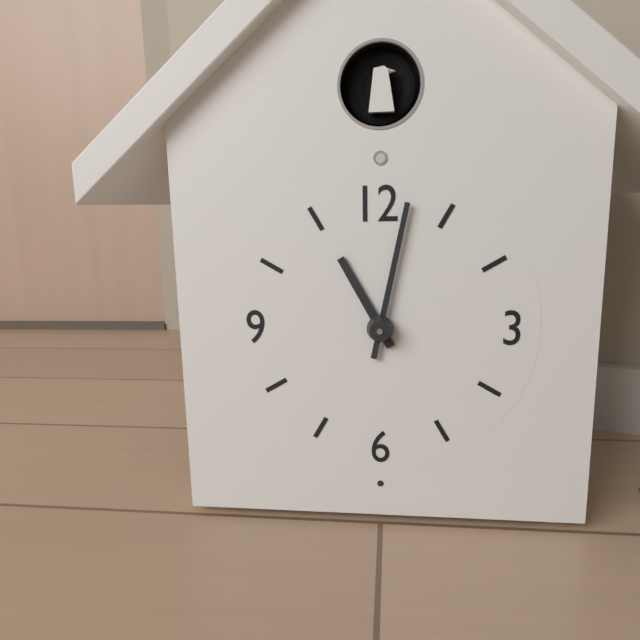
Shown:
**11:02**
